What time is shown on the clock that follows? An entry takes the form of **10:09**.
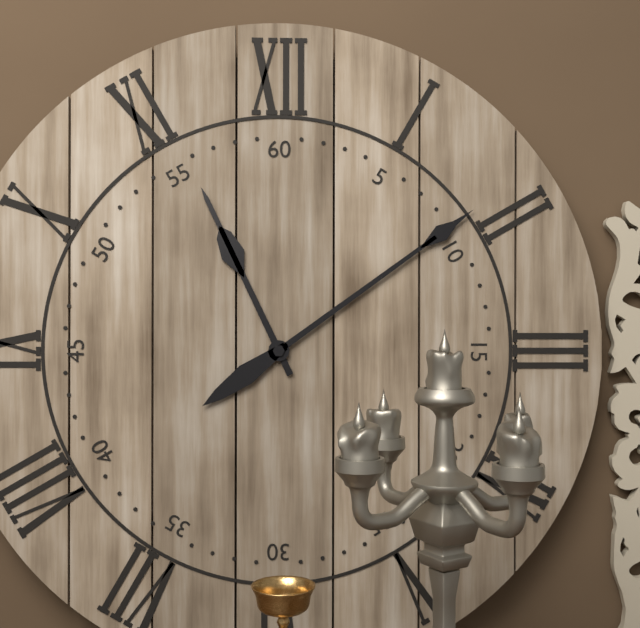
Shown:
**11:09**
